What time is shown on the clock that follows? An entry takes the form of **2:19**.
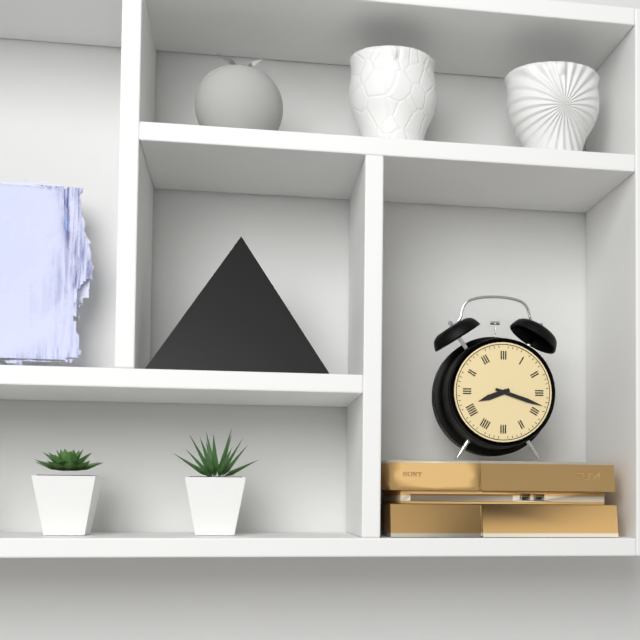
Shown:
**8:18**
